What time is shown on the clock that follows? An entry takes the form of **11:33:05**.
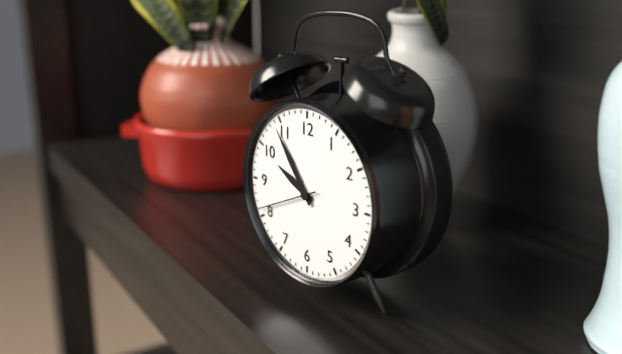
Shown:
**9:54:41**
